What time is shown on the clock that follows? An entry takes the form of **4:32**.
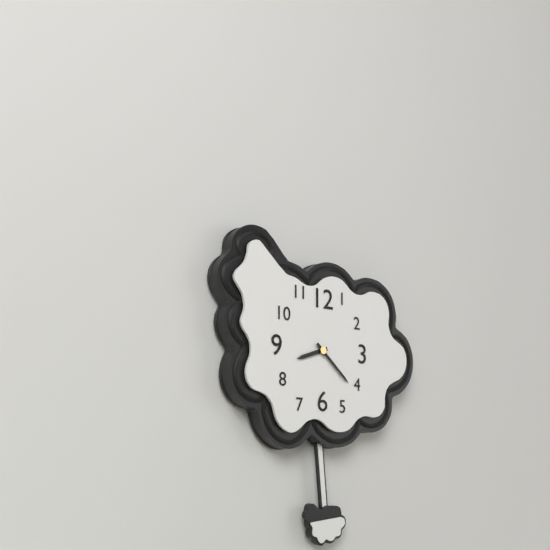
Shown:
**8:22**
